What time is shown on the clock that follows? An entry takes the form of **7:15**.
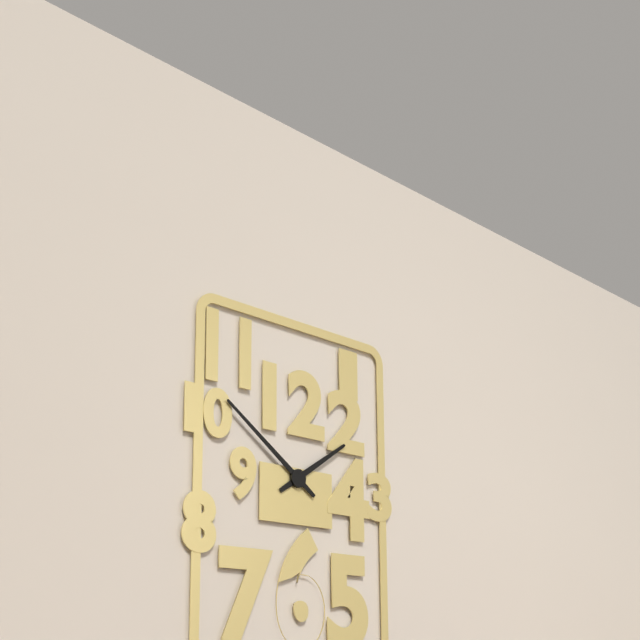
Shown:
**1:51**
